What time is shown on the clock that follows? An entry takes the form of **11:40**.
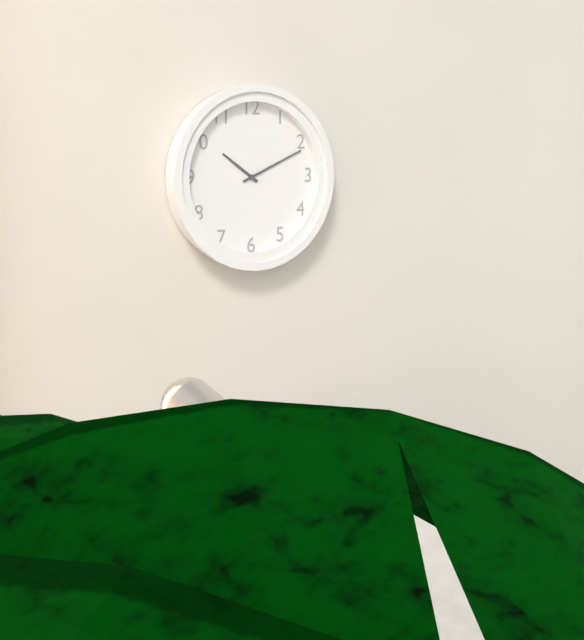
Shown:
**10:11**
